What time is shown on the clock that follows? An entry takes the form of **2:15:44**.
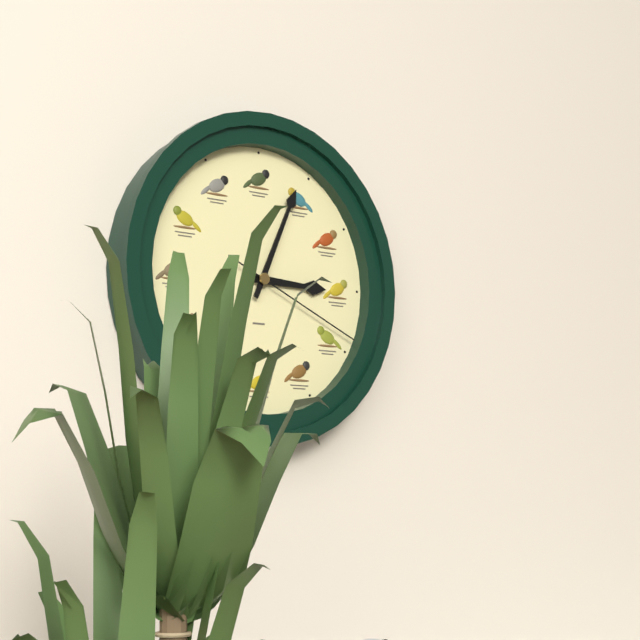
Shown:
**3:04:19**
